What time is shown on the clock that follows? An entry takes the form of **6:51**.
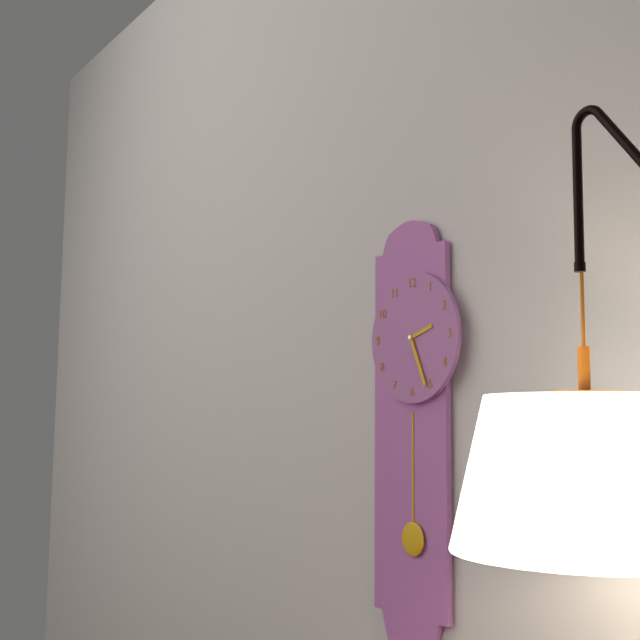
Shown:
**2:26**
